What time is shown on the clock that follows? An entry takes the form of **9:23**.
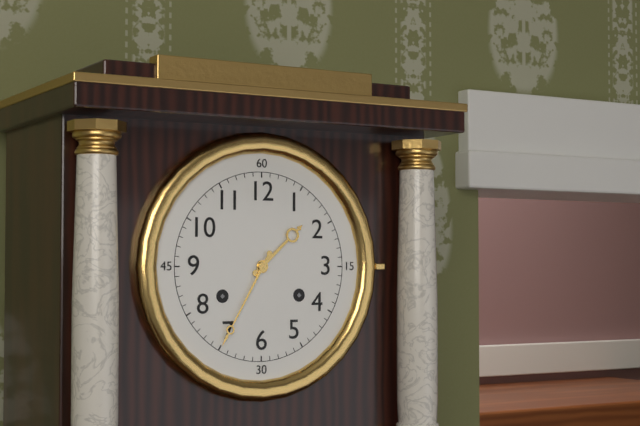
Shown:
**1:35**
